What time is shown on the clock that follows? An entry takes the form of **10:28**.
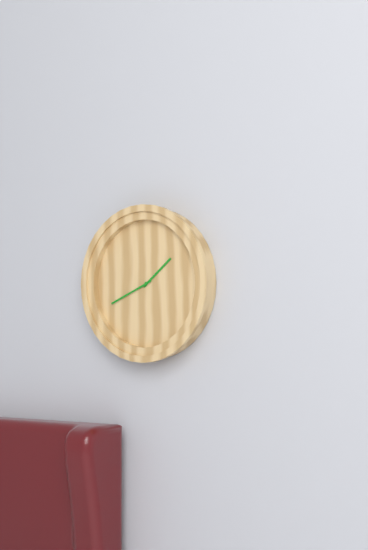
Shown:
**1:41**
